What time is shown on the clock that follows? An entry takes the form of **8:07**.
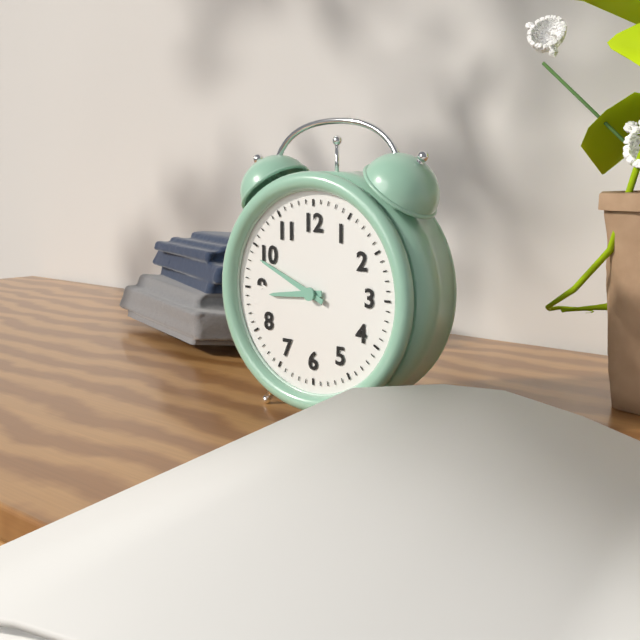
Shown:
**8:49**
